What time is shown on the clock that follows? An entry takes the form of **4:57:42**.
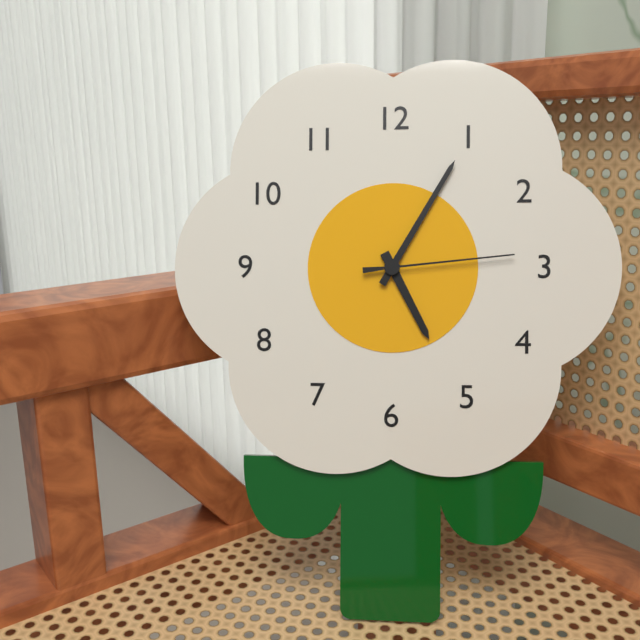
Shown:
**5:05:14**
